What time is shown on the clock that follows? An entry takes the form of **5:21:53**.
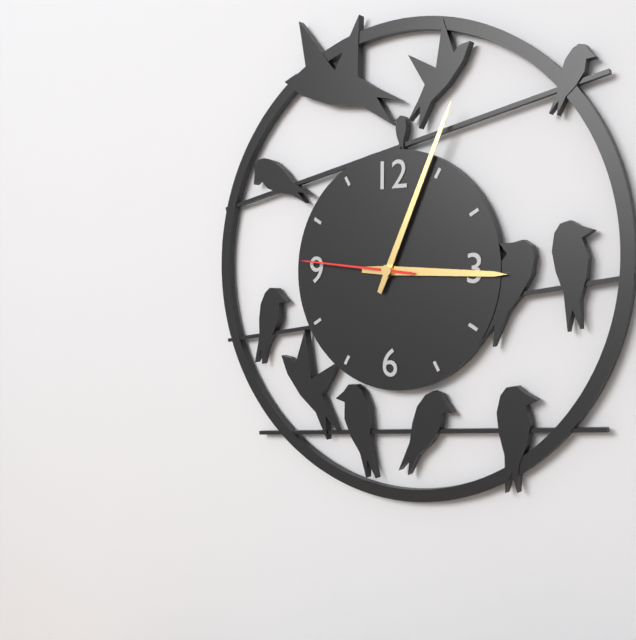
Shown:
**3:04:46**
